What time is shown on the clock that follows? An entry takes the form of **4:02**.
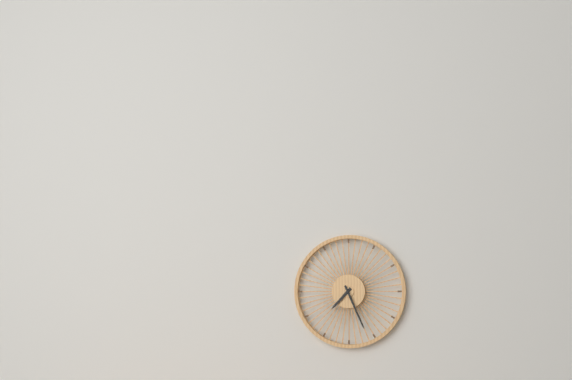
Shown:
**7:26**
